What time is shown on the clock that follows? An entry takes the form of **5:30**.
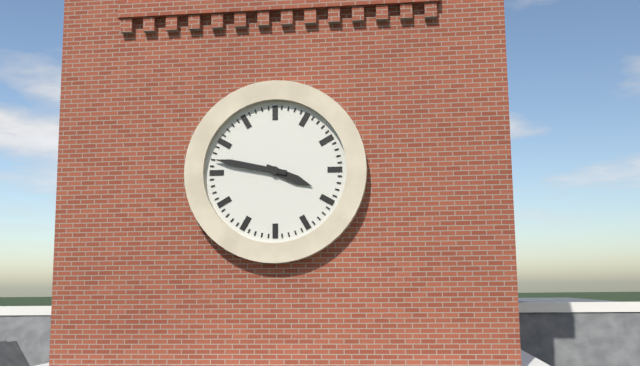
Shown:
**3:47**
